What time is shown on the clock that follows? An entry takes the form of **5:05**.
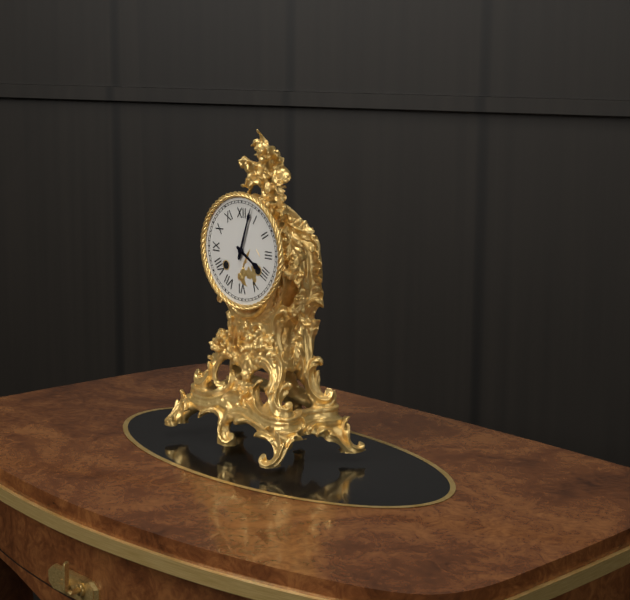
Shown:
**4:03**
